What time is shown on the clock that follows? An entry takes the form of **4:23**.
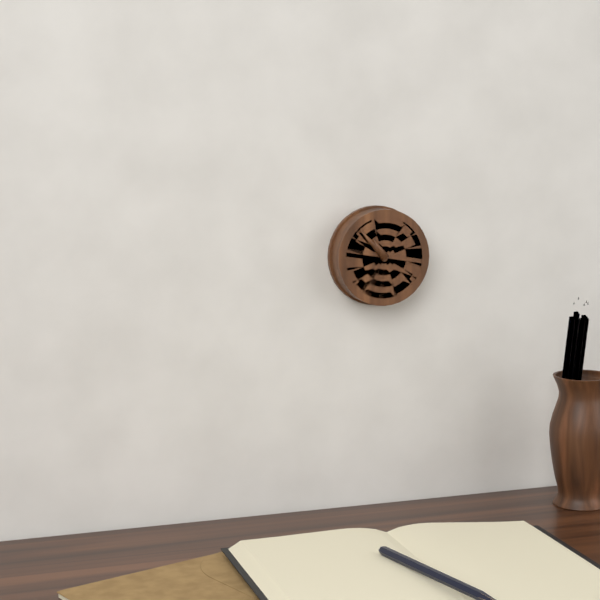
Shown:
**10:53**
